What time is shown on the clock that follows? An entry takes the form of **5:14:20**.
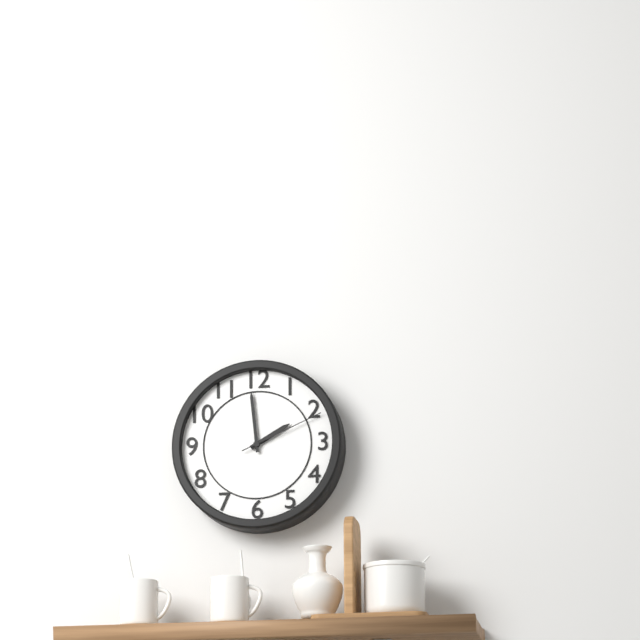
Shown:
**1:59:11**
